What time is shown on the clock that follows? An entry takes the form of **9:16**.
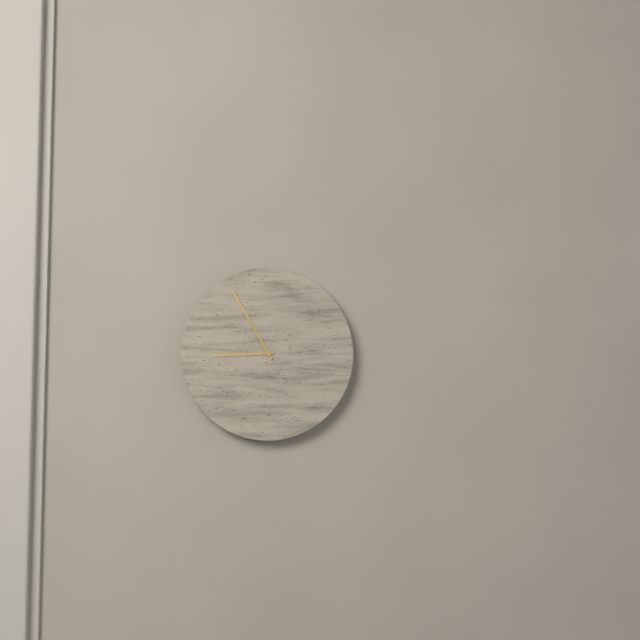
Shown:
**8:55**
